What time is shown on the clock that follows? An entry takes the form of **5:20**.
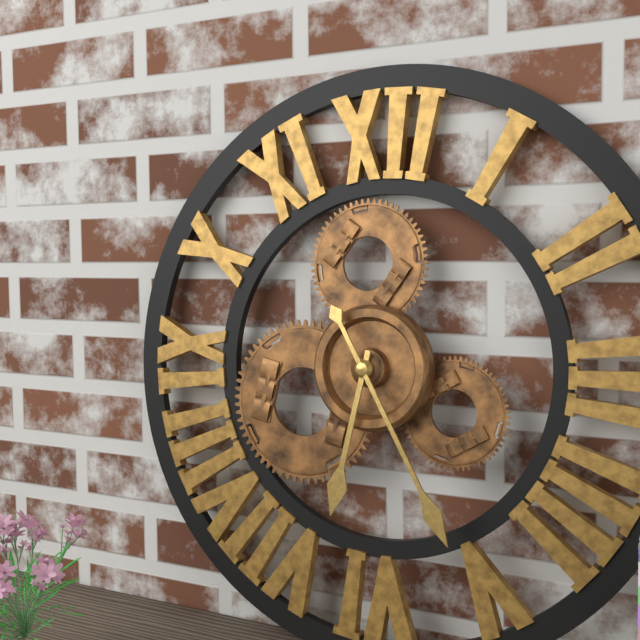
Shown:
**6:25**
